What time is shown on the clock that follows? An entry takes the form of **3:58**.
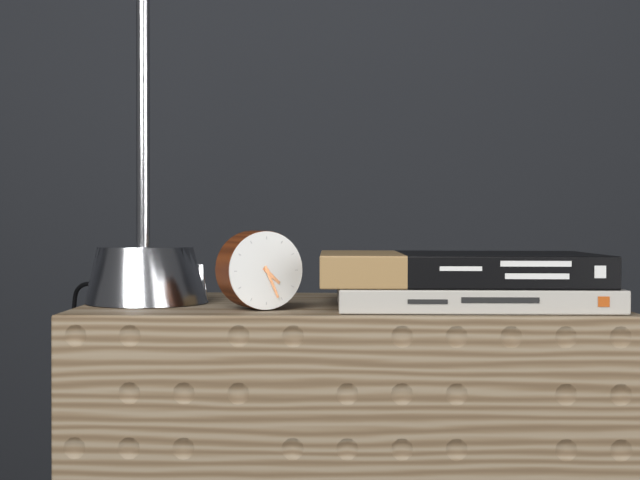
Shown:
**4:26**
